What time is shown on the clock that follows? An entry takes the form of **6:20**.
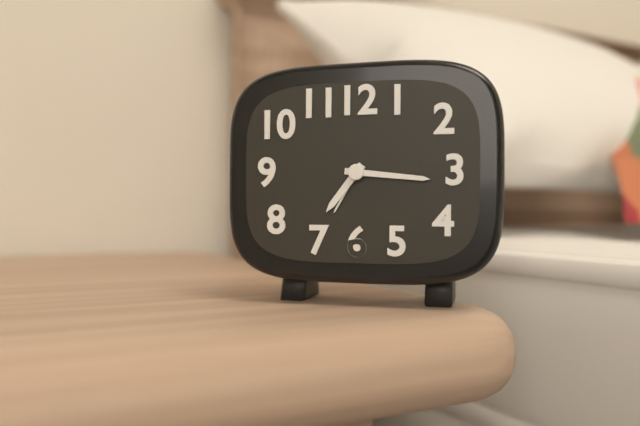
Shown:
**7:16**
